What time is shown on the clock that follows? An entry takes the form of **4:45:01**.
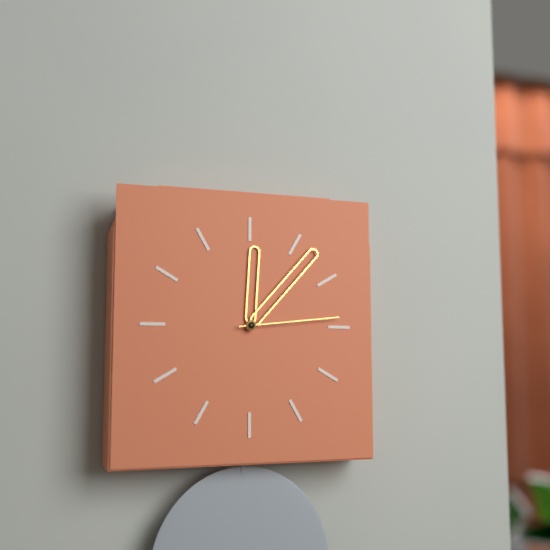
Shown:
**12:07:14**
